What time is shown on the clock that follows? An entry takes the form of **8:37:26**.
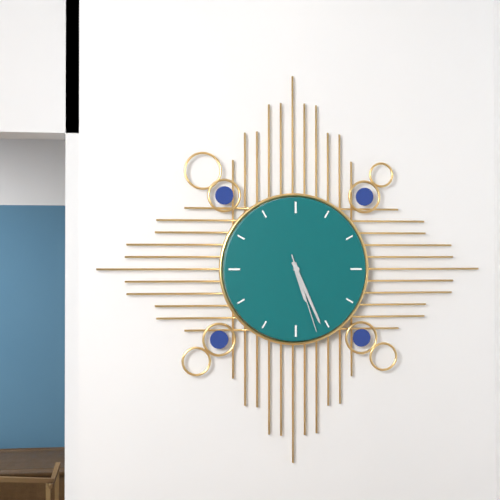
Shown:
**5:26:27**
